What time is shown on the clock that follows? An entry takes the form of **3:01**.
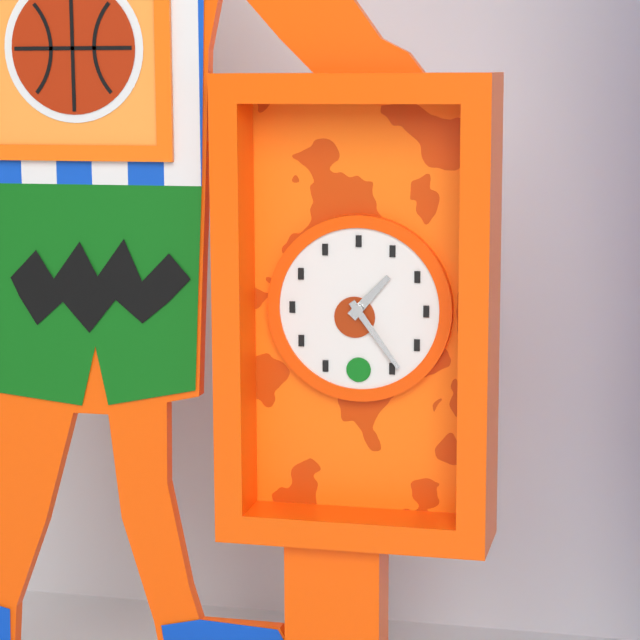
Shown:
**1:24**
